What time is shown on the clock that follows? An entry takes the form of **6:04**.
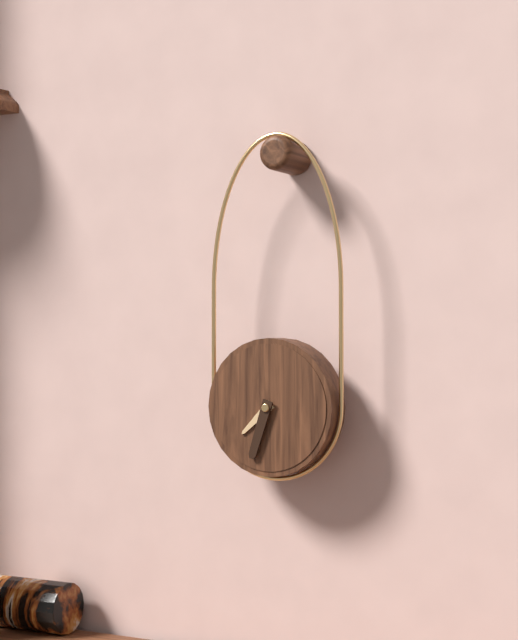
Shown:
**7:33**
